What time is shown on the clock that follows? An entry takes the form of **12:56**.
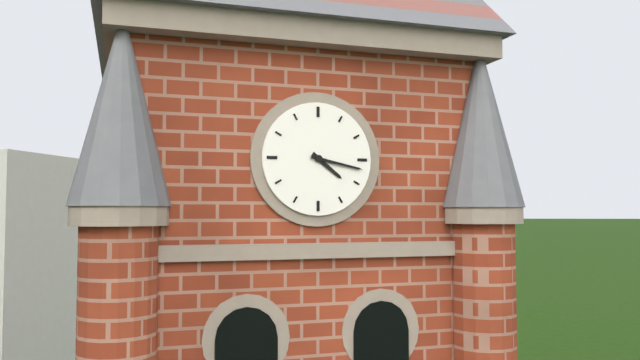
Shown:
**4:17**
